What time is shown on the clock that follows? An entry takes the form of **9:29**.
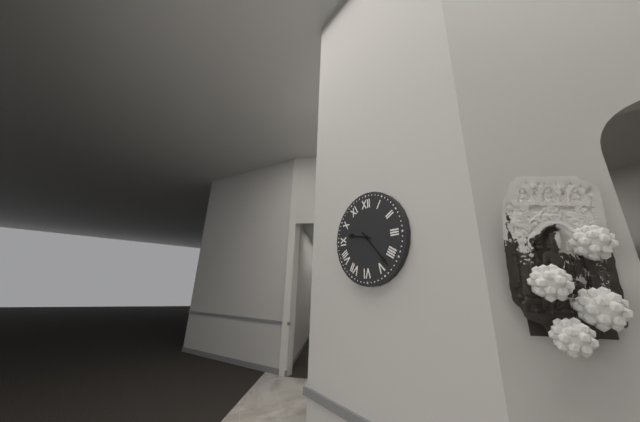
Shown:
**9:23**
